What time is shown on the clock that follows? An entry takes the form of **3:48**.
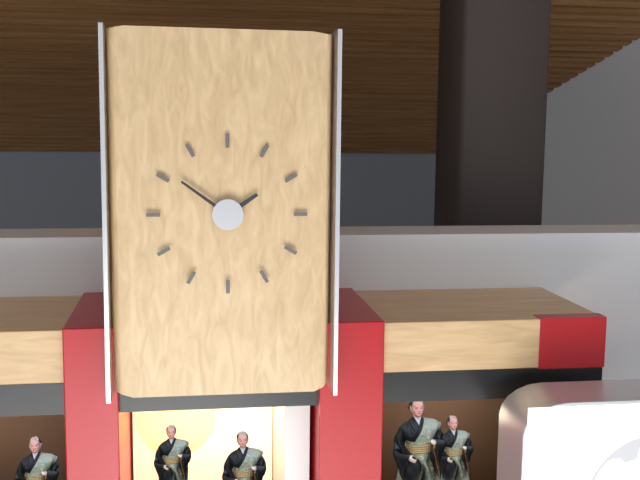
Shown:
**1:51**
